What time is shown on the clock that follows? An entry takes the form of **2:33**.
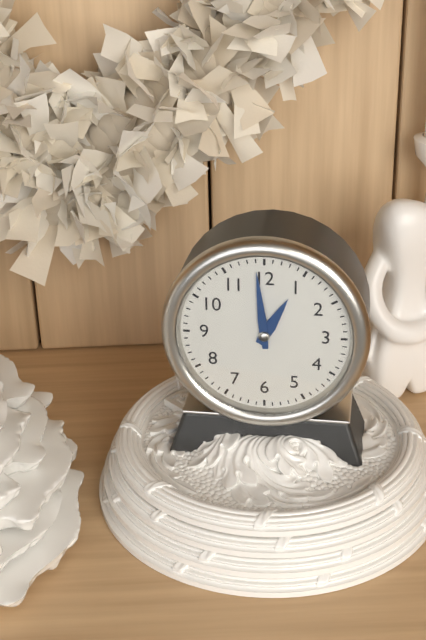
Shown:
**12:59**
